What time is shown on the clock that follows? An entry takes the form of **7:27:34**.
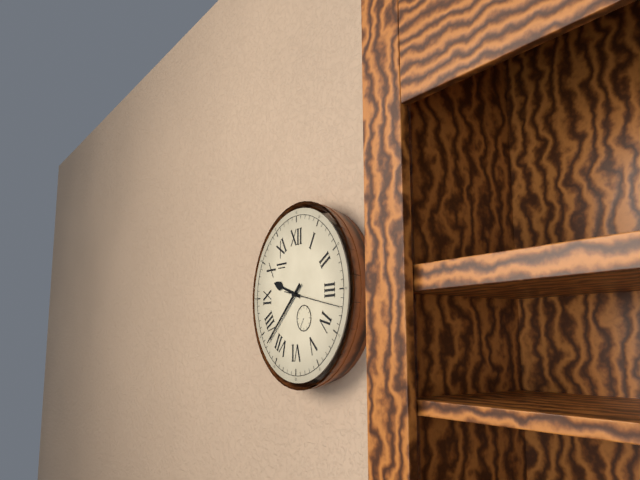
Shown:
**9:38:17**
